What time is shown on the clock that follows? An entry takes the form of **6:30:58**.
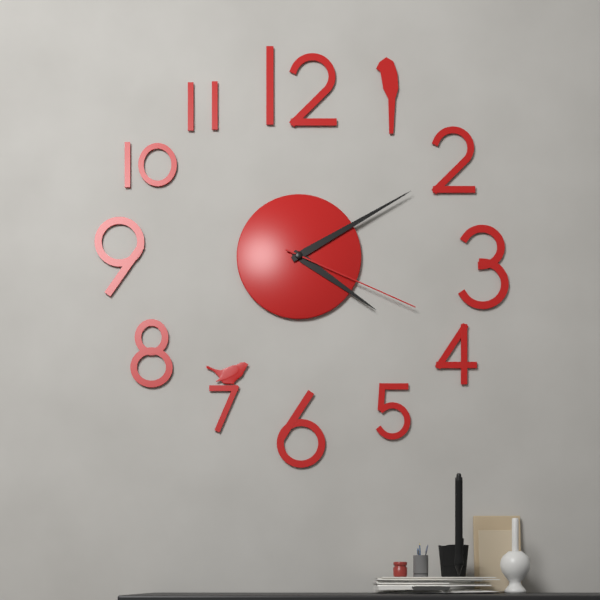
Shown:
**4:10:19**
